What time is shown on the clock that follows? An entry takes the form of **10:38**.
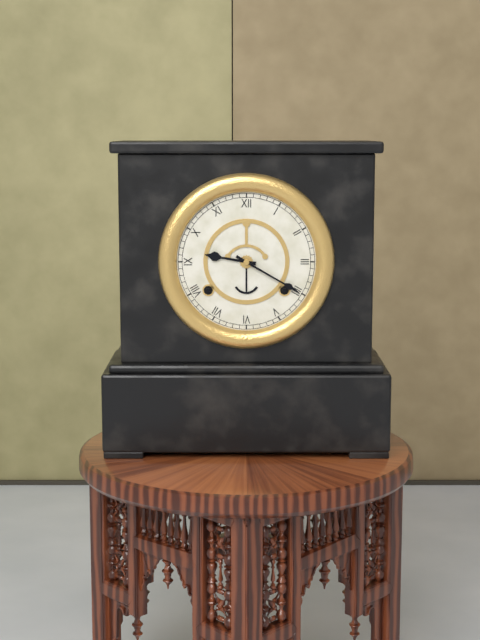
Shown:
**9:20**
